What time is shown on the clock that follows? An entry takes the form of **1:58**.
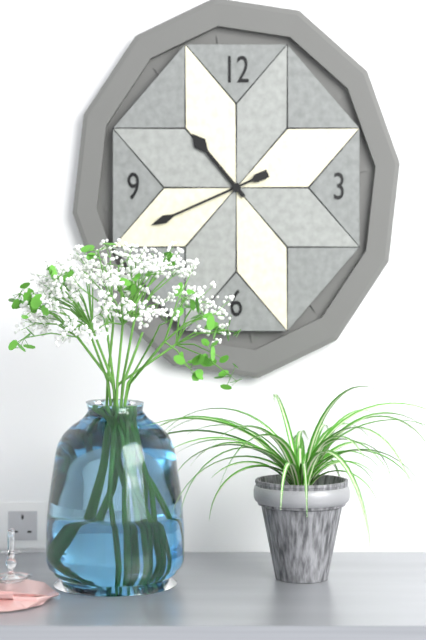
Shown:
**10:41**
